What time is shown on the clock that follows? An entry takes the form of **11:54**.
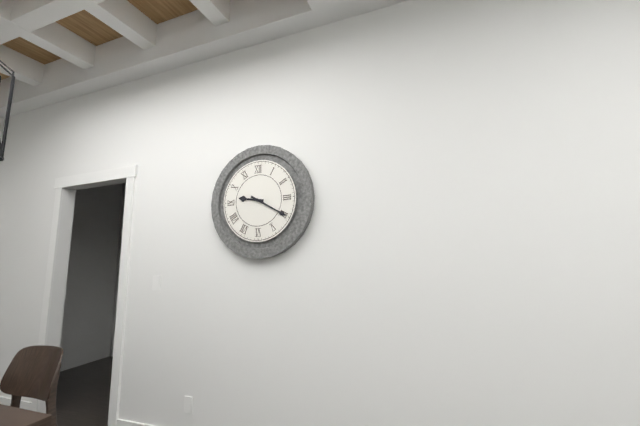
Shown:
**9:20**
